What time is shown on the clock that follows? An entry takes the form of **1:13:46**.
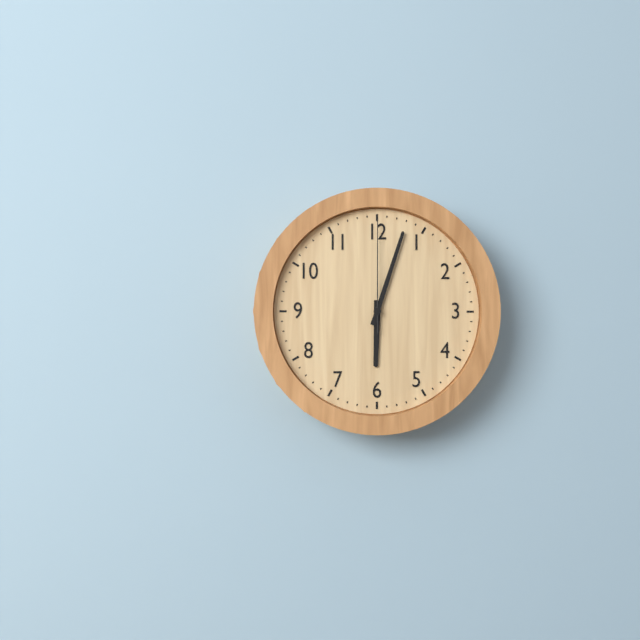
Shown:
**6:03:00**
